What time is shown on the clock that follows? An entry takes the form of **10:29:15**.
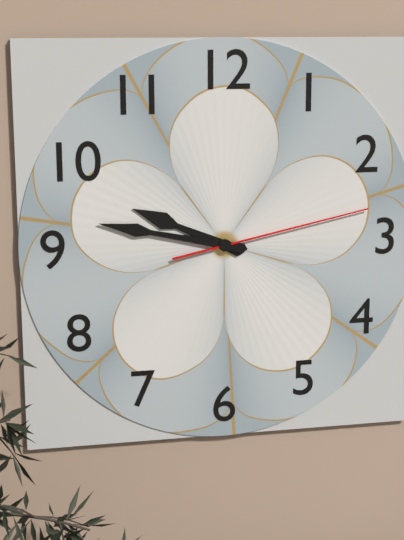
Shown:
**9:47:13**
